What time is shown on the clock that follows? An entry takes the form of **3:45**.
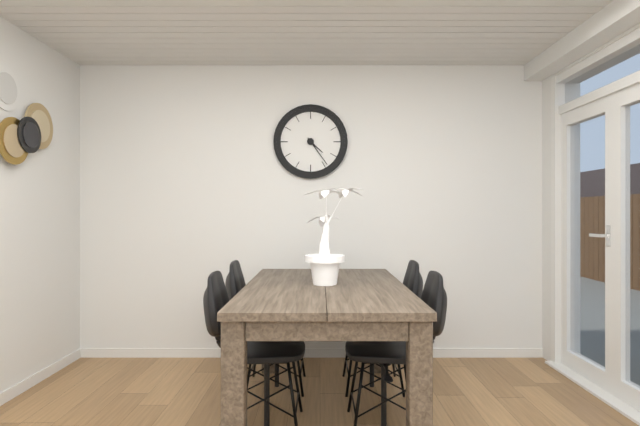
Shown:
**4:24**
